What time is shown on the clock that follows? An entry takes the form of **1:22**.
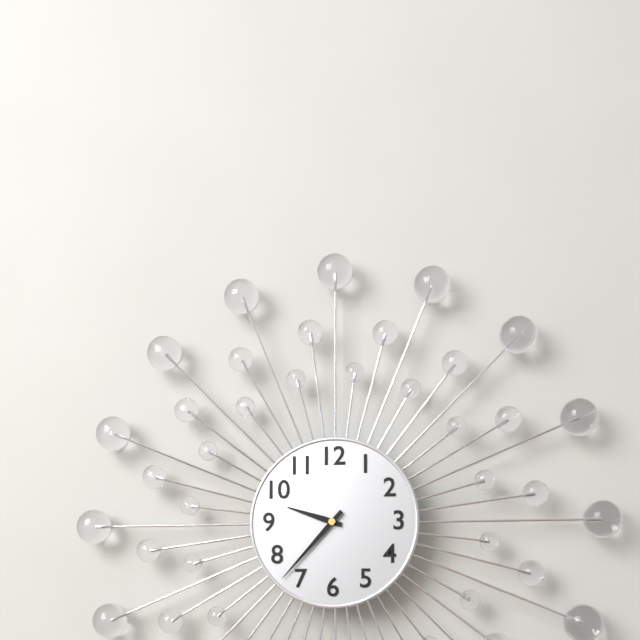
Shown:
**9:37**
